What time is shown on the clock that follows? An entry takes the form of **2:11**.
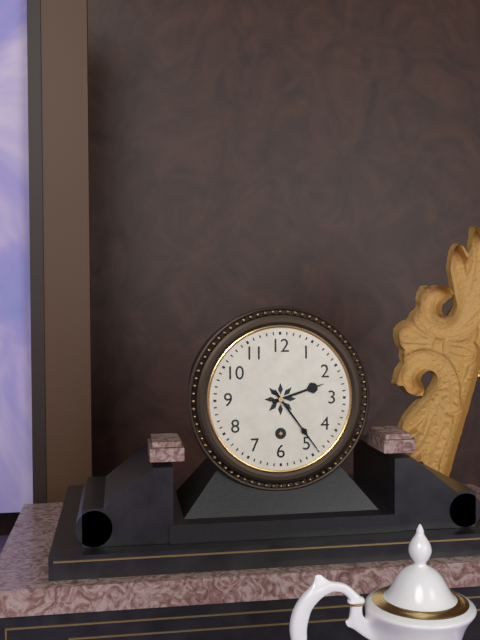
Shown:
**2:24**
